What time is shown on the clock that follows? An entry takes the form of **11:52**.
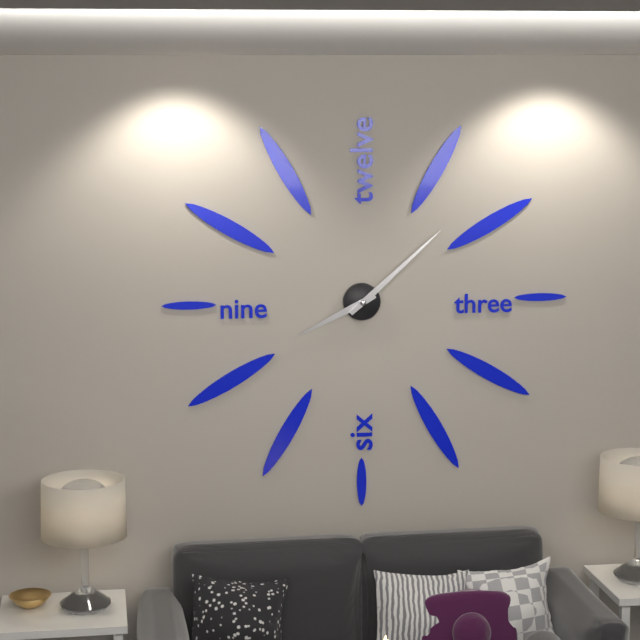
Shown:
**8:08**
